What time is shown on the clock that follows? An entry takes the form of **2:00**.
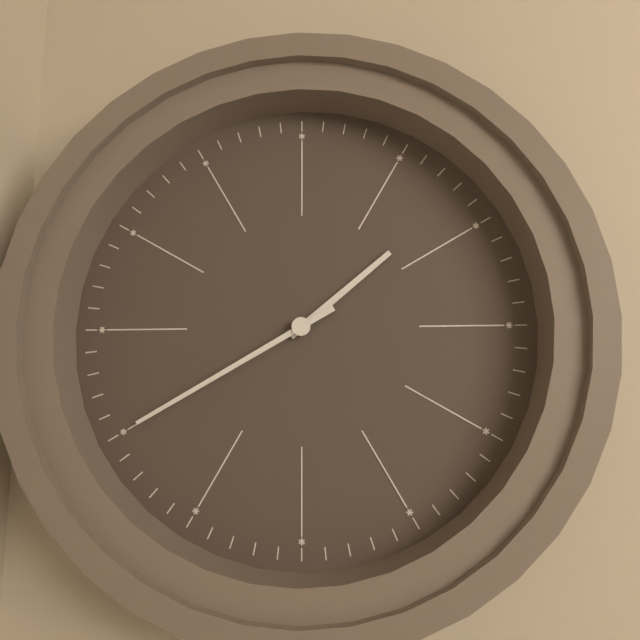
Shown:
**1:40**
